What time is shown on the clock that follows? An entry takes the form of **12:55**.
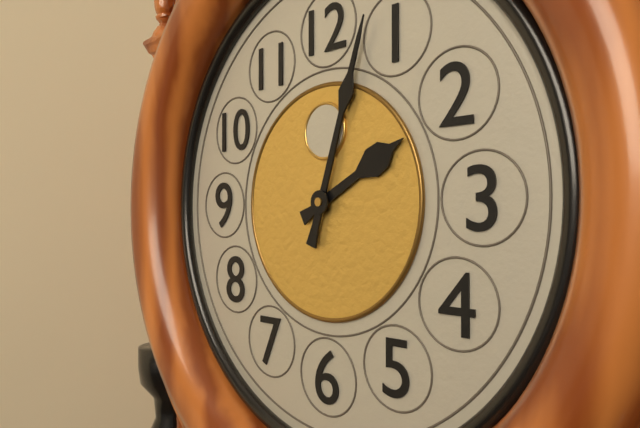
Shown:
**2:03**
